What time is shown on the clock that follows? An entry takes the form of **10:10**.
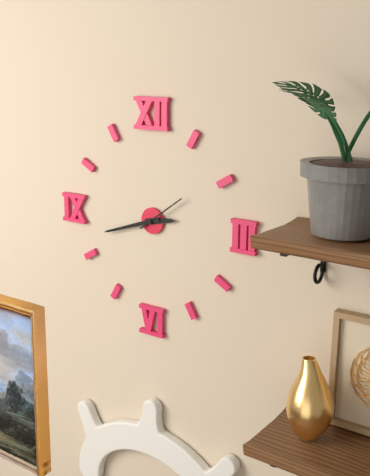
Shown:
**2:42**
